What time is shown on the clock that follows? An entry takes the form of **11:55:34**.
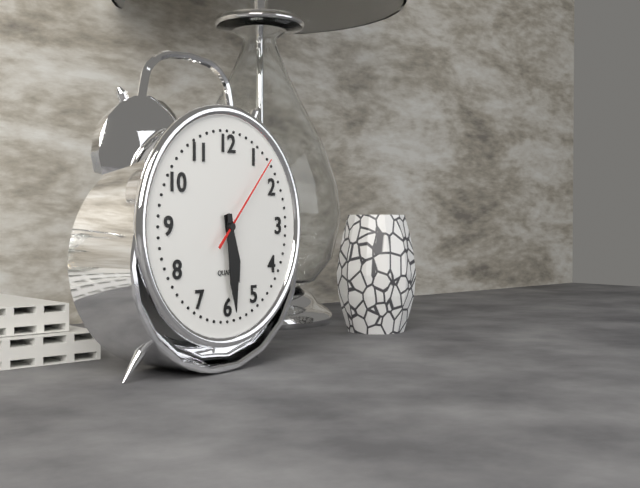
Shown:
**5:29:07**
